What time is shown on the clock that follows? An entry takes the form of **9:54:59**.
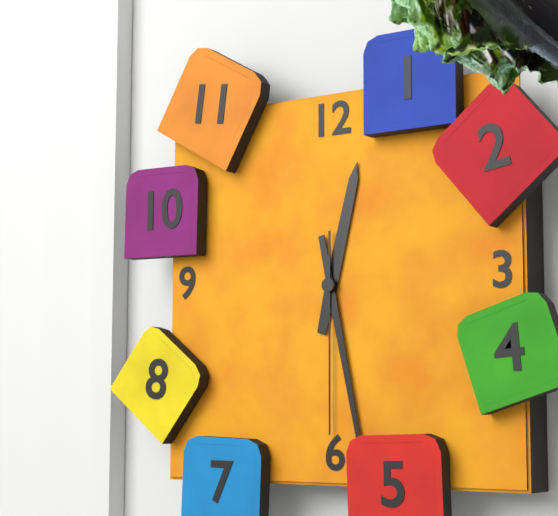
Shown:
**12:28:30**
